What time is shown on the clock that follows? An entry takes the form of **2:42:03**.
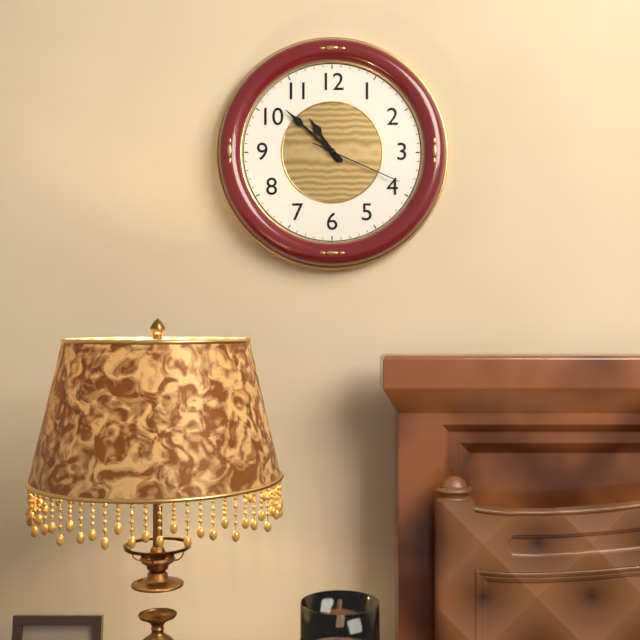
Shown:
**10:52:19**
